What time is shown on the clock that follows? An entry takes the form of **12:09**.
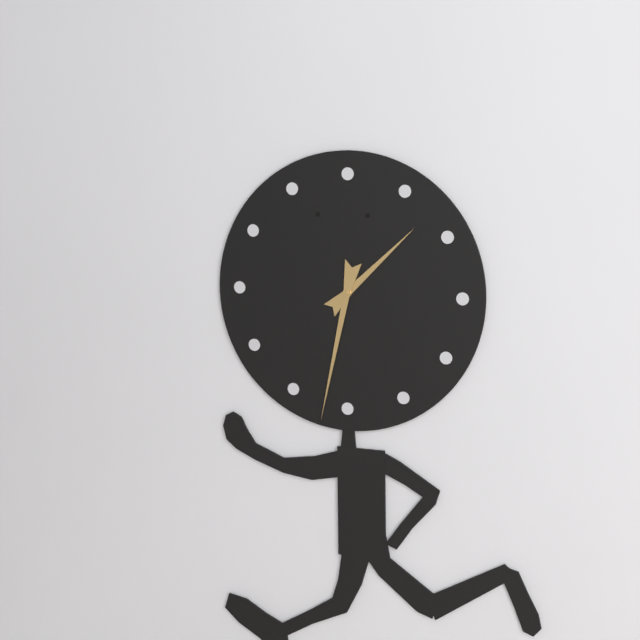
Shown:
**1:32**
